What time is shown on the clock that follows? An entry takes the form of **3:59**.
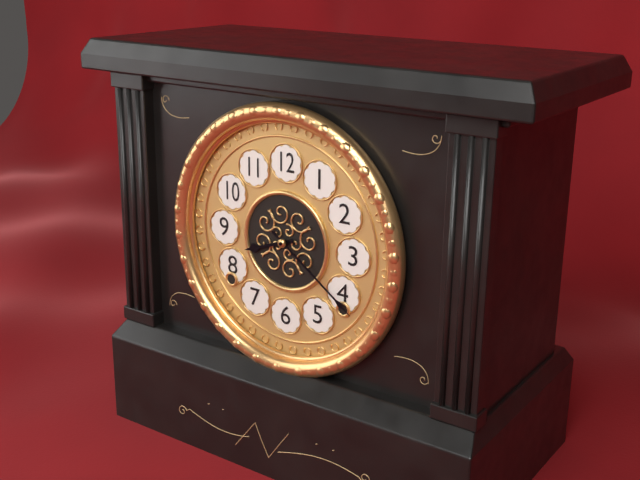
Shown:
**8:21**
